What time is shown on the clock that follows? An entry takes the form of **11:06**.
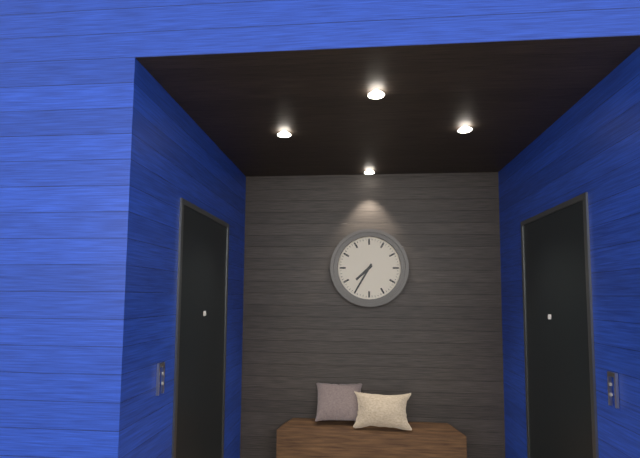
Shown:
**7:35**
